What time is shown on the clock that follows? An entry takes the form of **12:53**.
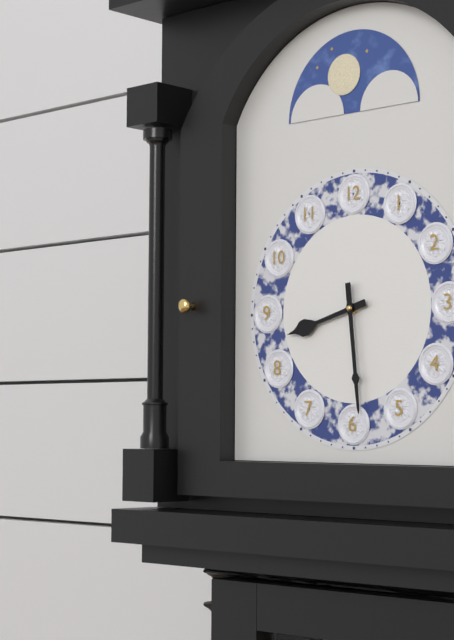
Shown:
**8:29**
